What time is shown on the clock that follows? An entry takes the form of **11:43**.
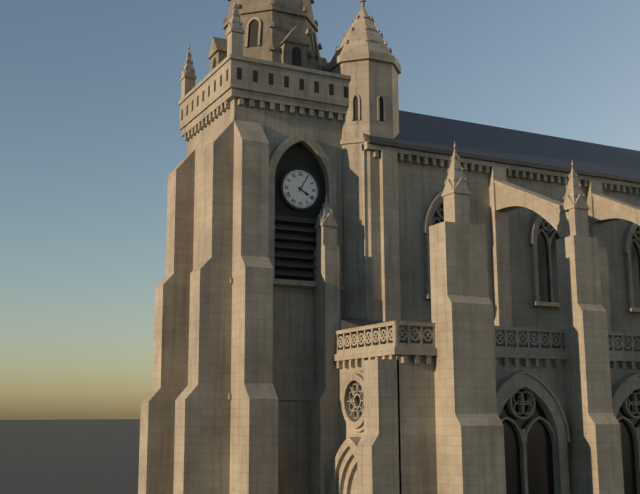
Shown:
**4:05**
